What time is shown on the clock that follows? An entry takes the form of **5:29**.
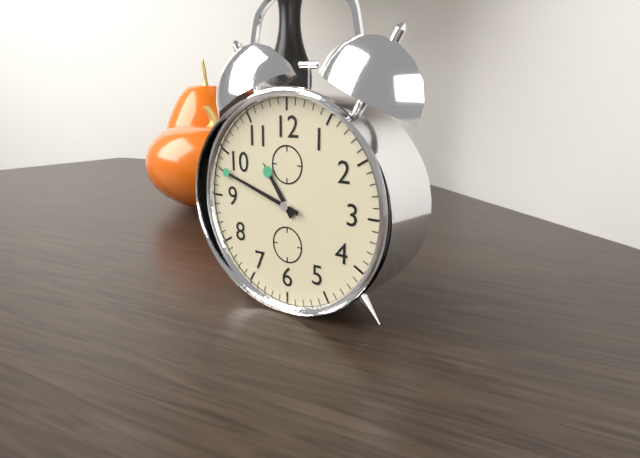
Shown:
**10:48**
